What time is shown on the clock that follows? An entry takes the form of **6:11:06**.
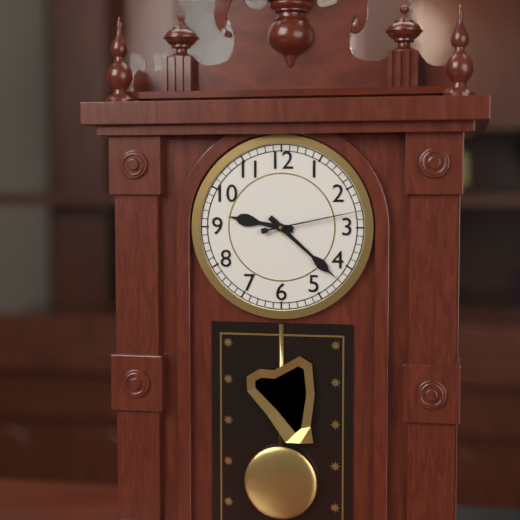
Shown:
**9:22:13**
